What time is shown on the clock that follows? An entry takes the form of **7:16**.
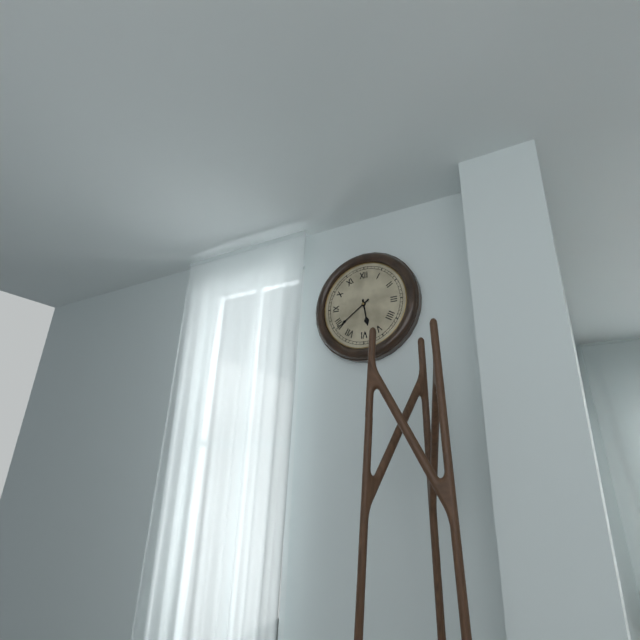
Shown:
**5:39**
